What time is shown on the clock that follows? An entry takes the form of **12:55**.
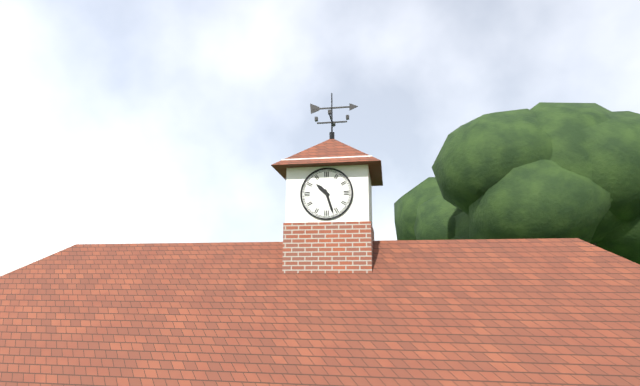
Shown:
**10:27**
